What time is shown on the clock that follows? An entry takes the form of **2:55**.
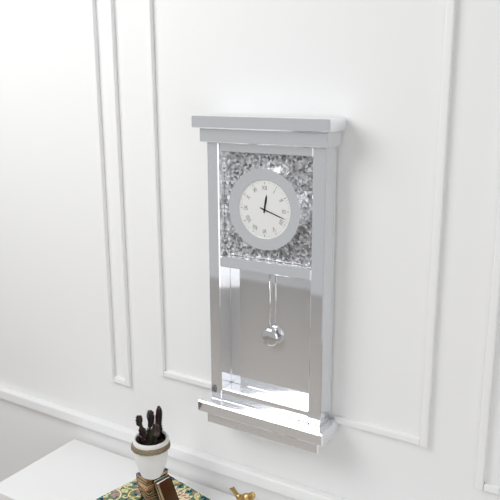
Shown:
**12:18**
